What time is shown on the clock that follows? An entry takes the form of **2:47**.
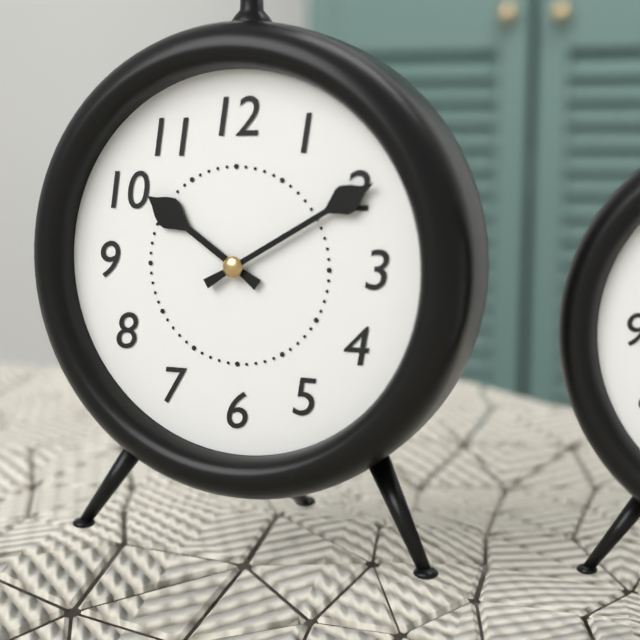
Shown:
**10:10**
